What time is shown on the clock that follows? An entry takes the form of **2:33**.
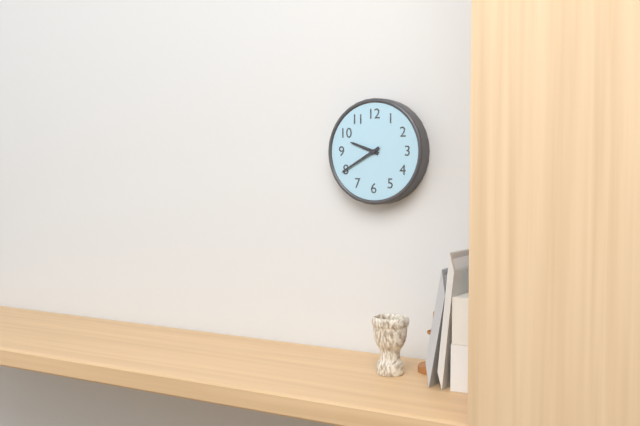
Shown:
**9:40**
